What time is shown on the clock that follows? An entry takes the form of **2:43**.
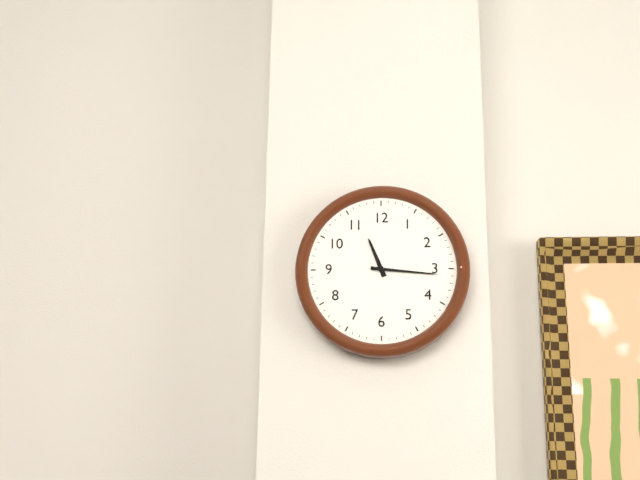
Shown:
**11:16**
